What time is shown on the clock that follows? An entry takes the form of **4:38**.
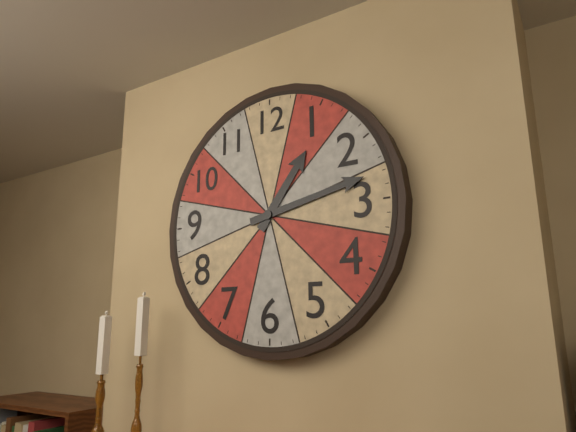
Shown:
**1:13**
